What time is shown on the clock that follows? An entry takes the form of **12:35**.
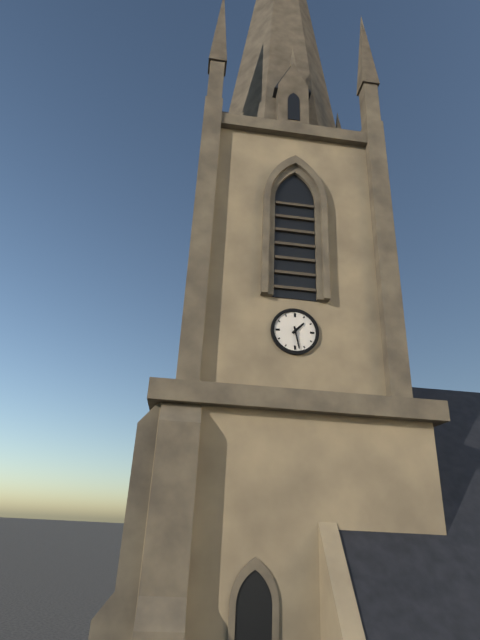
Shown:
**1:28**
